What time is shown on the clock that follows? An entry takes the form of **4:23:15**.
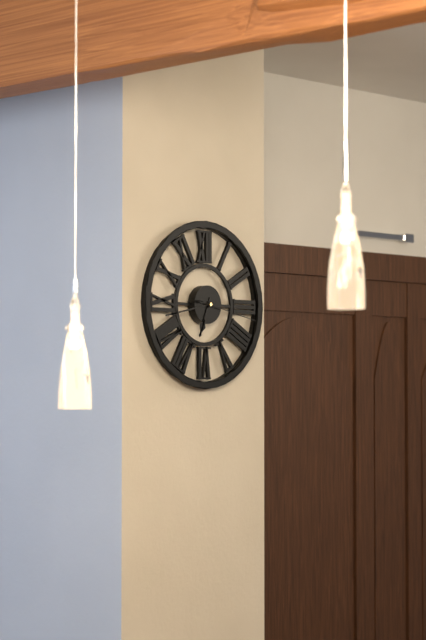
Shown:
**6:43:17**
